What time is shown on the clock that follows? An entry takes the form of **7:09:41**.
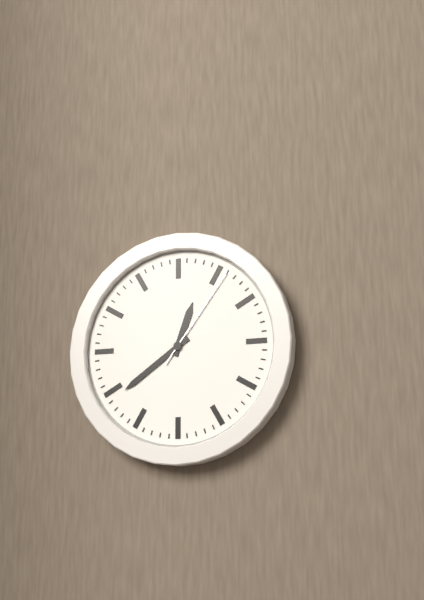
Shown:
**12:39:06**
